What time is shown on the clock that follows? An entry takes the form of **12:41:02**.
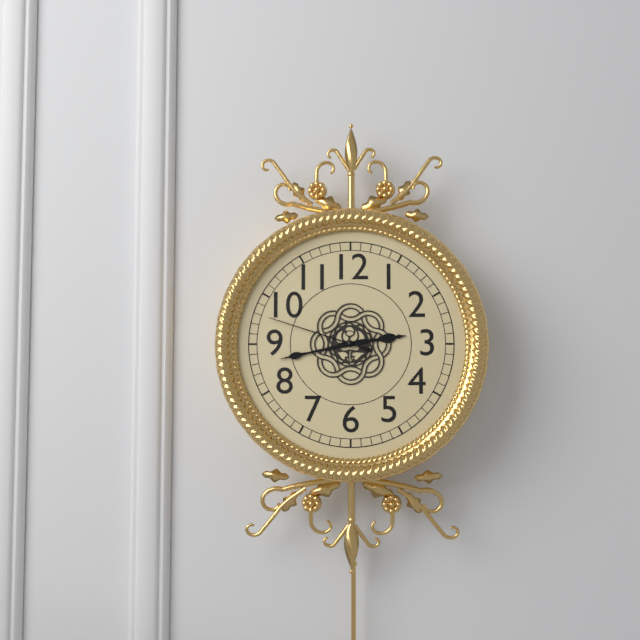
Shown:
**2:43:48**
